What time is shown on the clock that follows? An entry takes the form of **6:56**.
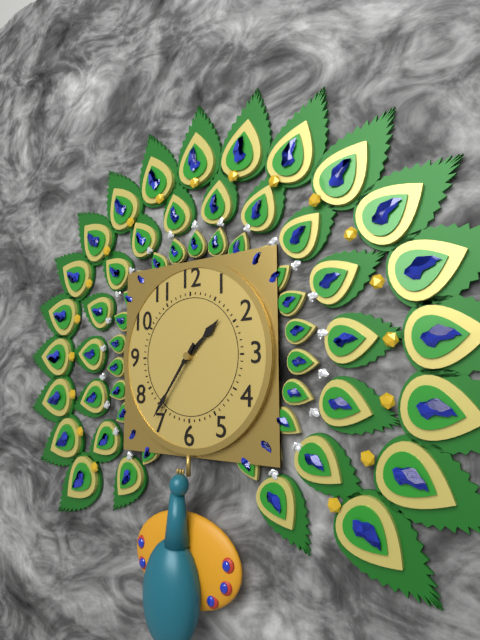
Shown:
**1:36**
